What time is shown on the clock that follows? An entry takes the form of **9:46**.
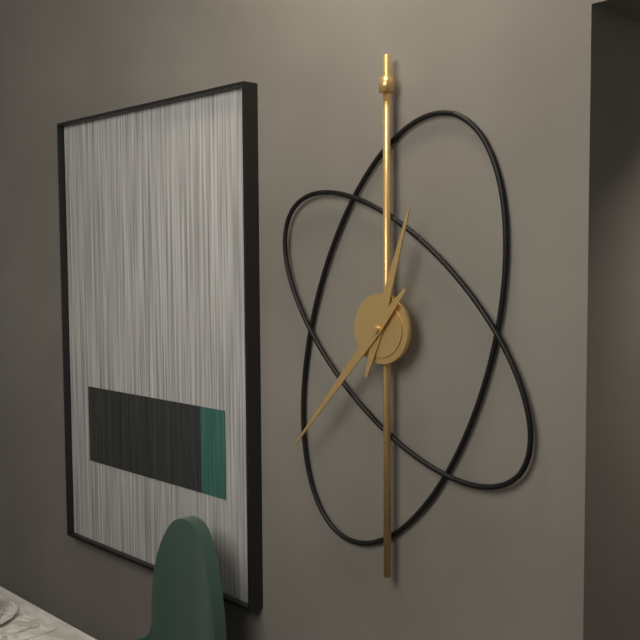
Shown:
**12:37**
